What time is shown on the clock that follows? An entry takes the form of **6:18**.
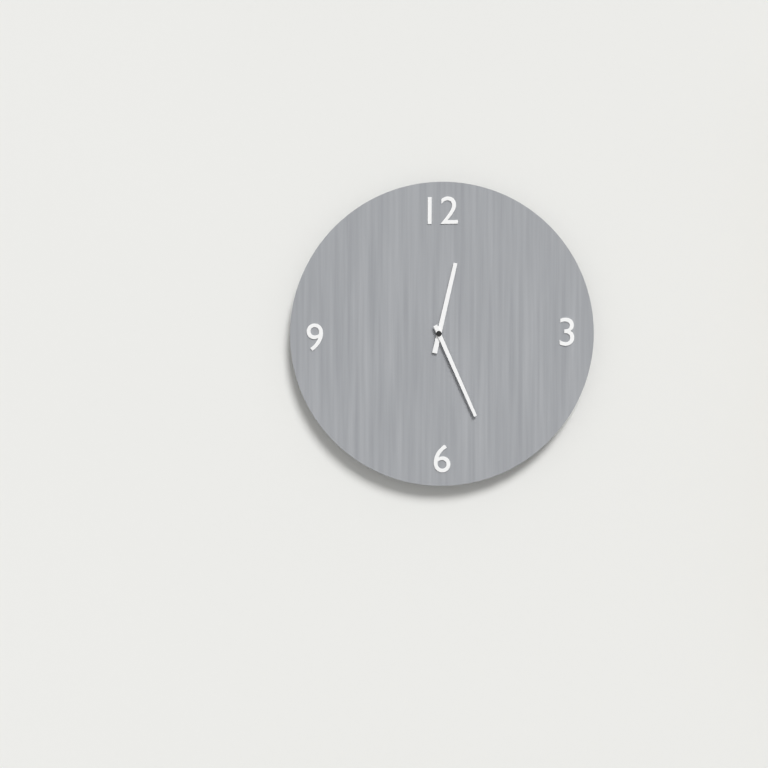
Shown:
**12:26**
